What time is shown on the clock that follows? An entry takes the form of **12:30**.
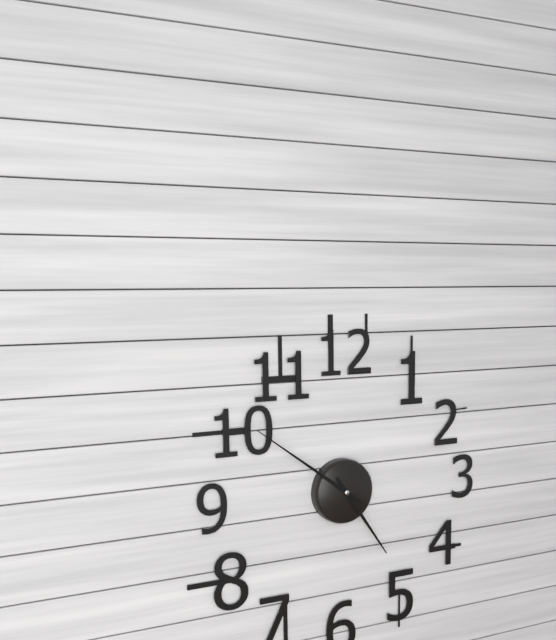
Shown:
**4:51**
